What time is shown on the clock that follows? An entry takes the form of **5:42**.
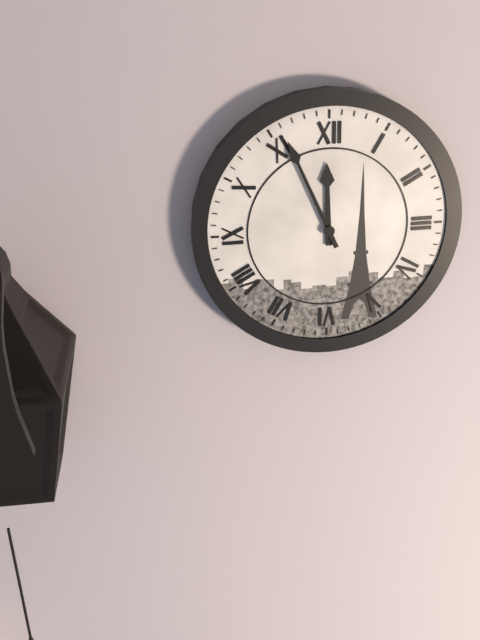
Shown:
**11:56**
